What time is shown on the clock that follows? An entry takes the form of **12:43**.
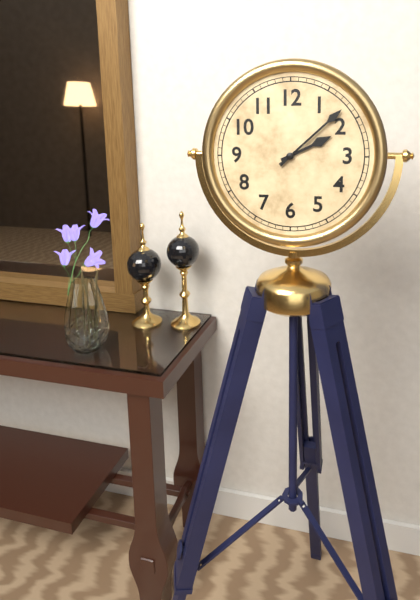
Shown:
**2:08**
